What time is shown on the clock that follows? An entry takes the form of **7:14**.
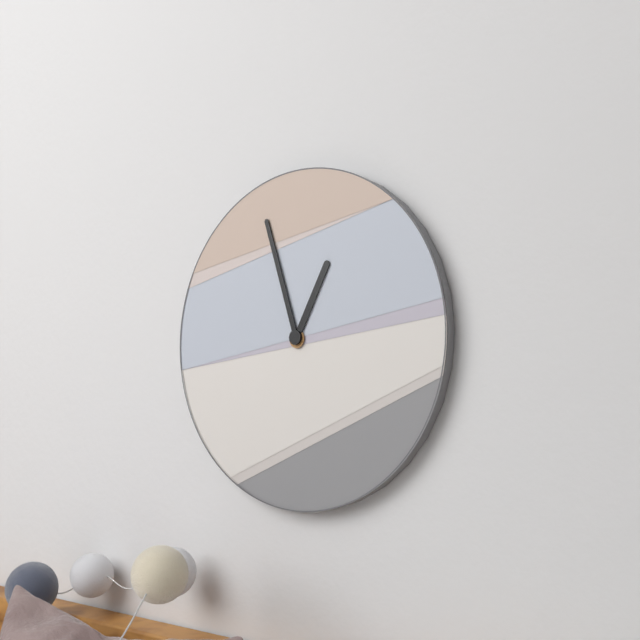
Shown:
**12:57**
